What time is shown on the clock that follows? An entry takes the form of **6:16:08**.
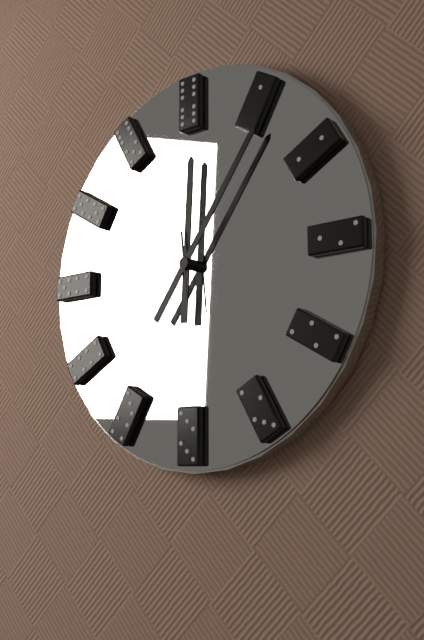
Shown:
**12:06:29**
